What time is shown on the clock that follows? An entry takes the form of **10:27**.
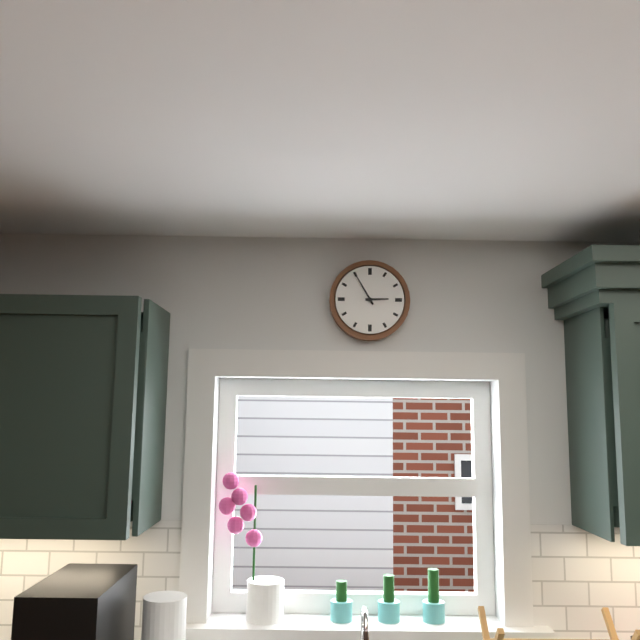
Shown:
**2:55**
